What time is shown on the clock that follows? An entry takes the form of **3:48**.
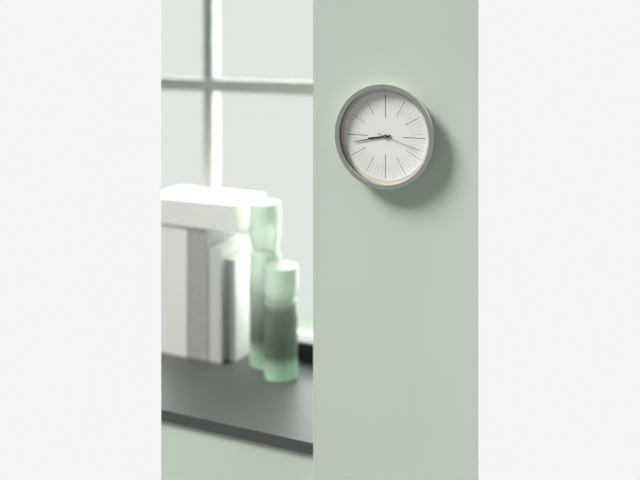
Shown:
**8:43**
